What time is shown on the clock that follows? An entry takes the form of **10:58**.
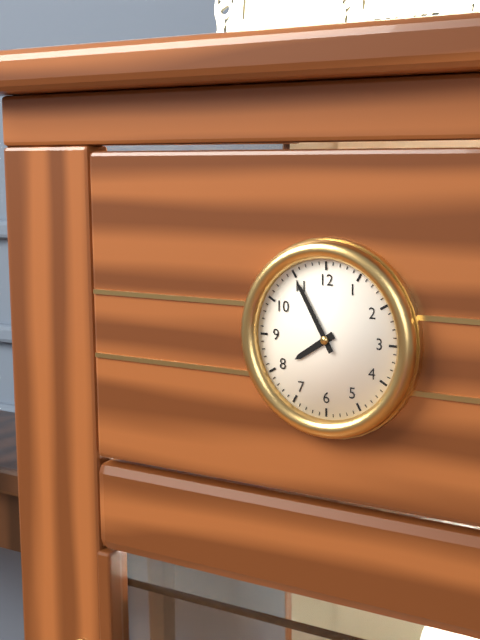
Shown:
**7:55**
